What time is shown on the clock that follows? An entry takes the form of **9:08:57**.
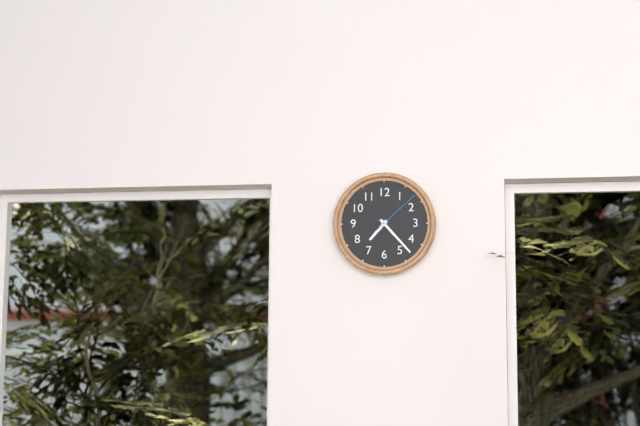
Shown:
**7:23:08**
